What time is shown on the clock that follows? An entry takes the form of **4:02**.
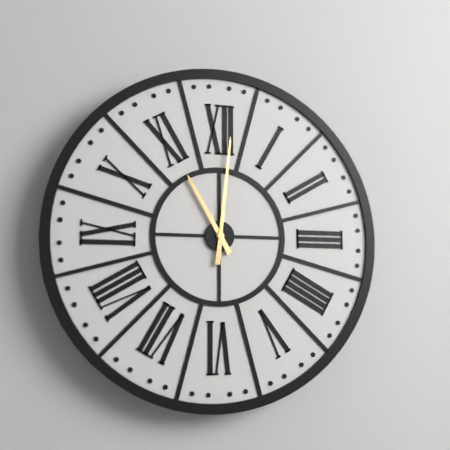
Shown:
**11:01**
